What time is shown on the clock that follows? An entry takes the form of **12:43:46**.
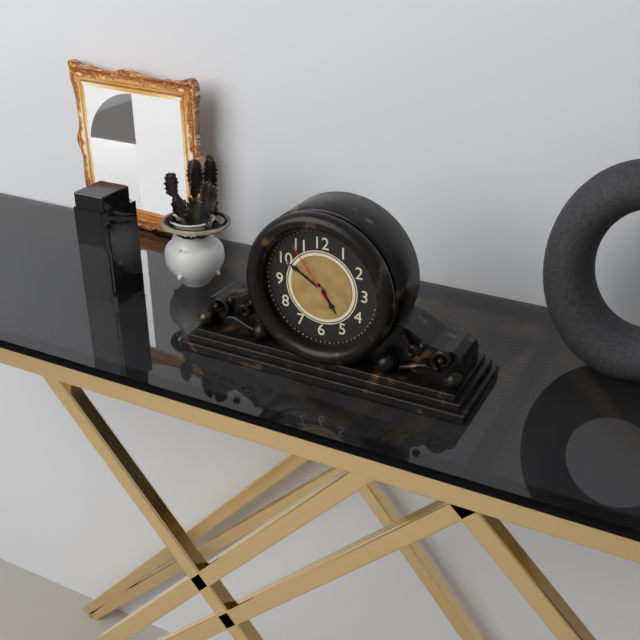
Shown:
**4:50:54**
